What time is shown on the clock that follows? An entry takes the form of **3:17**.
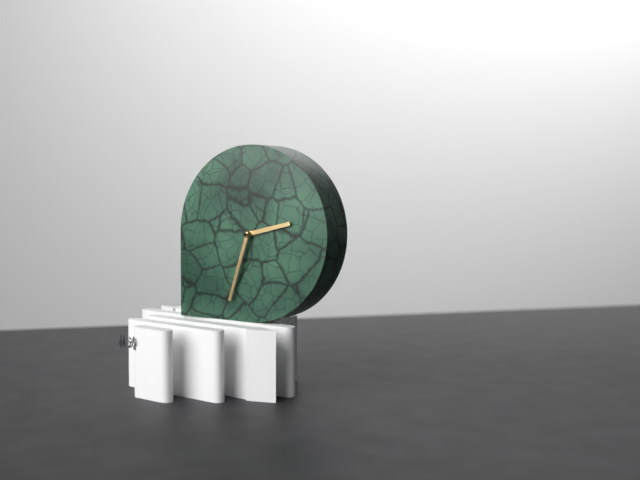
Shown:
**2:33**
